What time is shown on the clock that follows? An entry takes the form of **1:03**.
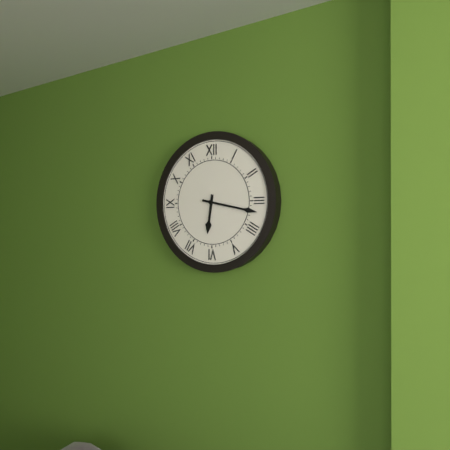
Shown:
**6:17**
